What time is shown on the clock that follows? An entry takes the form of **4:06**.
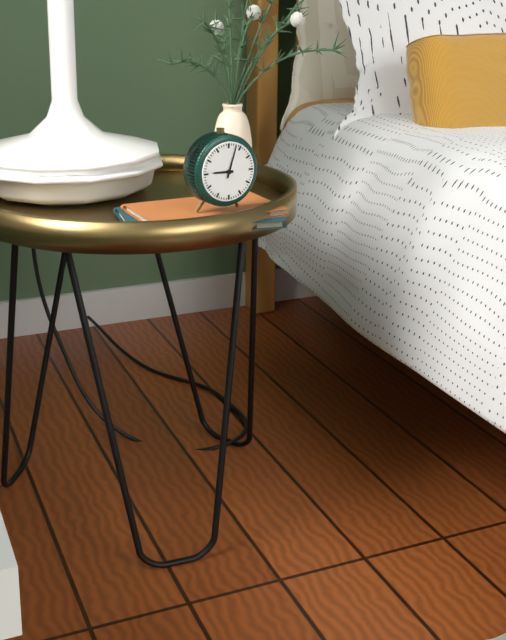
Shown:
**9:03**
